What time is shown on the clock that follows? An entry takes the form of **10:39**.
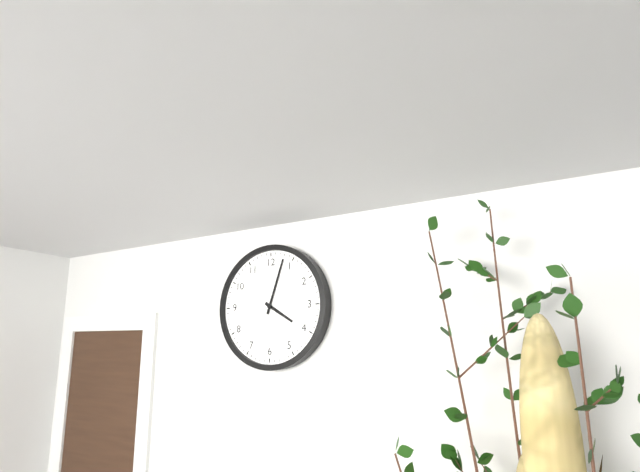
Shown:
**4:03**
